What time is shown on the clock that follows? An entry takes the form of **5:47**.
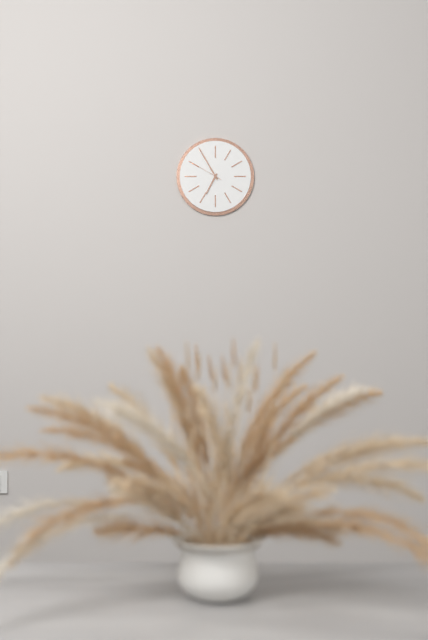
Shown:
**6:55**
